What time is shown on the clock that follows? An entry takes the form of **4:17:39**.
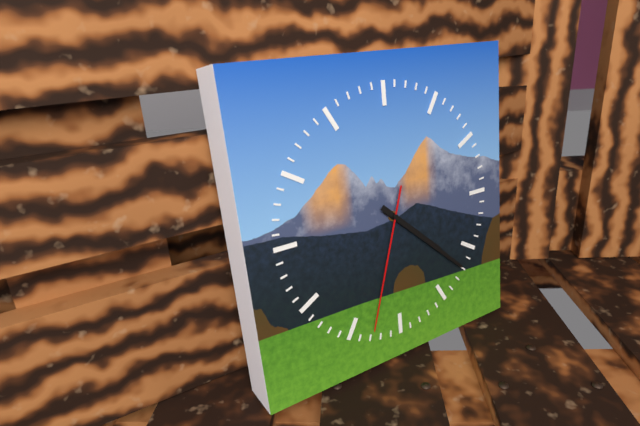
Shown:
**4:22:33**
